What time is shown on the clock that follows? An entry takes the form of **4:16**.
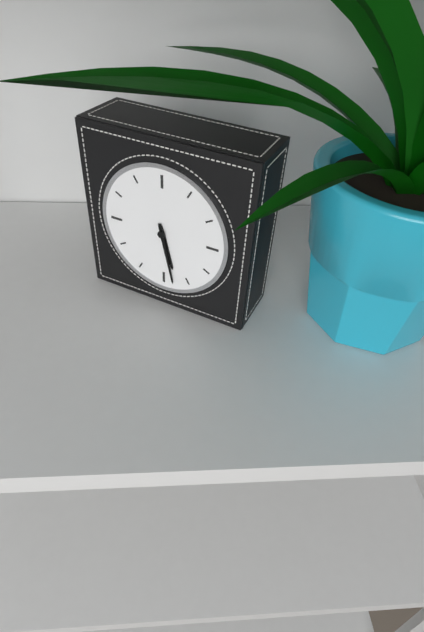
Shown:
**5:28**
